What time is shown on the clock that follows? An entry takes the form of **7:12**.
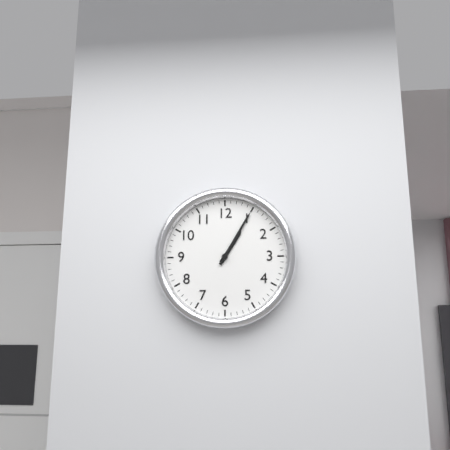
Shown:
**1:05**
